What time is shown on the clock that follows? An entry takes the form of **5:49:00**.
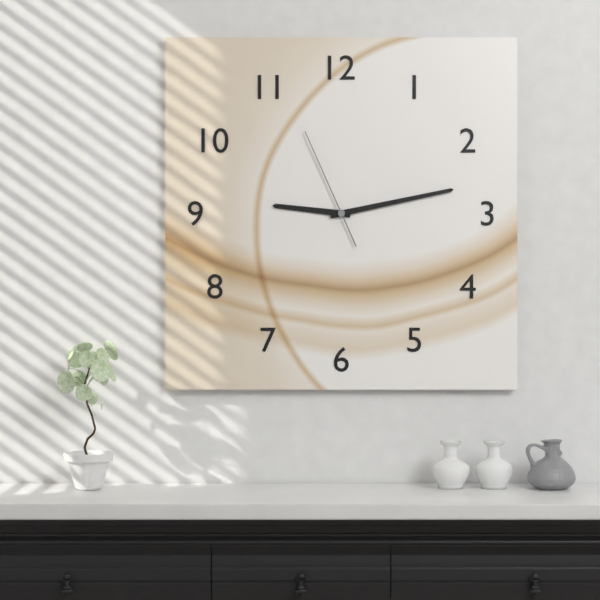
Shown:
**9:13:56**
